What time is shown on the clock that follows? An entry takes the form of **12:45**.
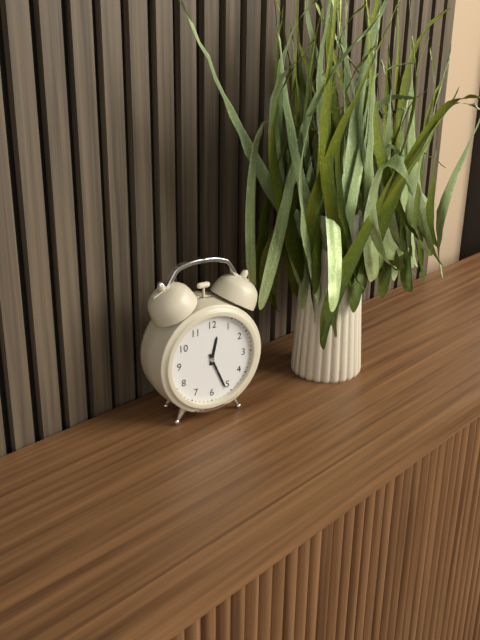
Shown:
**12:26**
